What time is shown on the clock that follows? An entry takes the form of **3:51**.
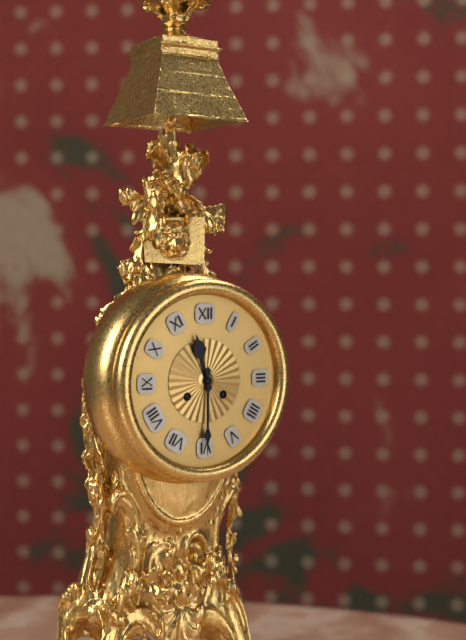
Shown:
**11:30**
